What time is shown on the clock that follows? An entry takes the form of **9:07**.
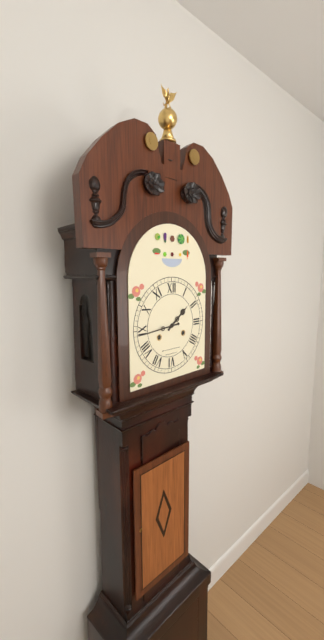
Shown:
**1:44**
